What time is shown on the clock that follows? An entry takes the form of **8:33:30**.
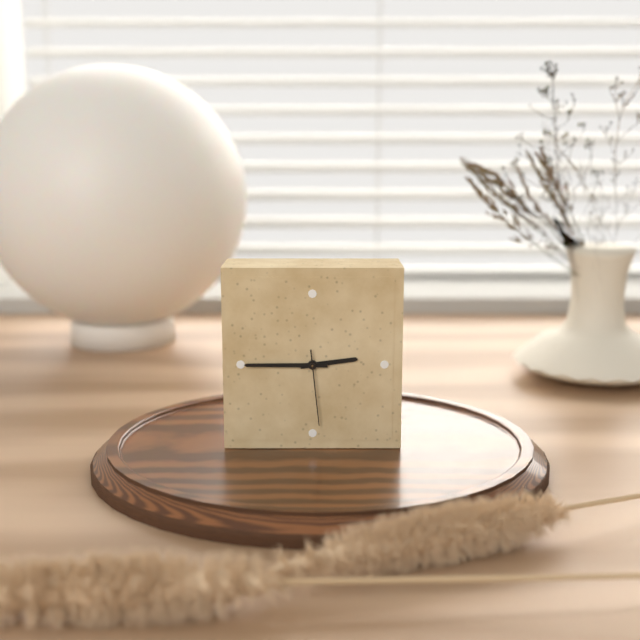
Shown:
**2:45:29**
